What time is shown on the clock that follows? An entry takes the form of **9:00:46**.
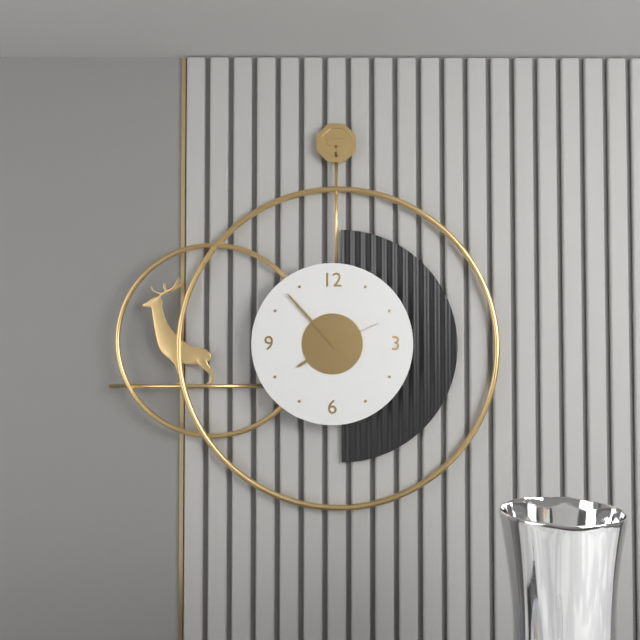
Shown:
**7:53:11**
